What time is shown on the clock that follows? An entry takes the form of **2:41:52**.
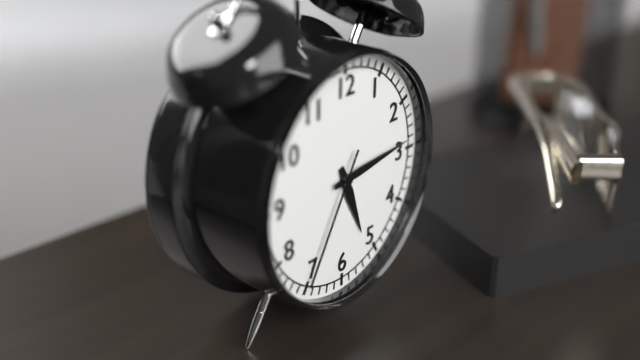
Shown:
**5:14:35**
